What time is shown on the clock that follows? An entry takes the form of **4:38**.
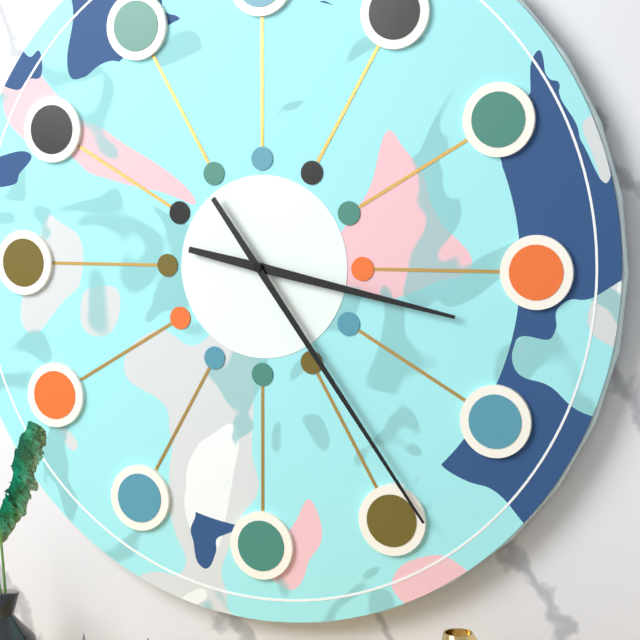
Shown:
**3:24**
